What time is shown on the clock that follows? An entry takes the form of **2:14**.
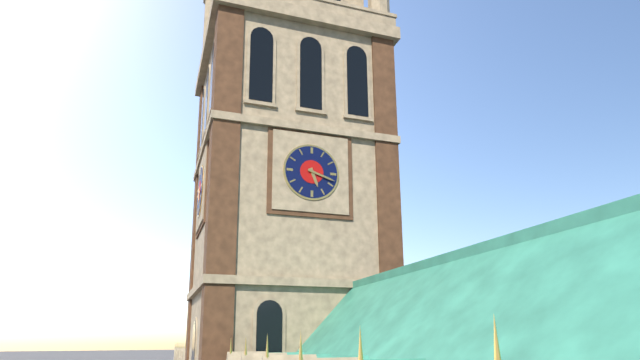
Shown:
**5:18**
